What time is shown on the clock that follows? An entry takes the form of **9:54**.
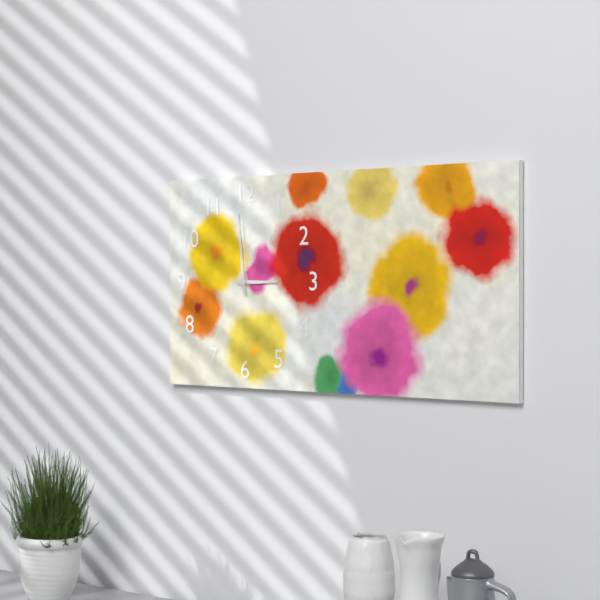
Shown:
**2:59**
